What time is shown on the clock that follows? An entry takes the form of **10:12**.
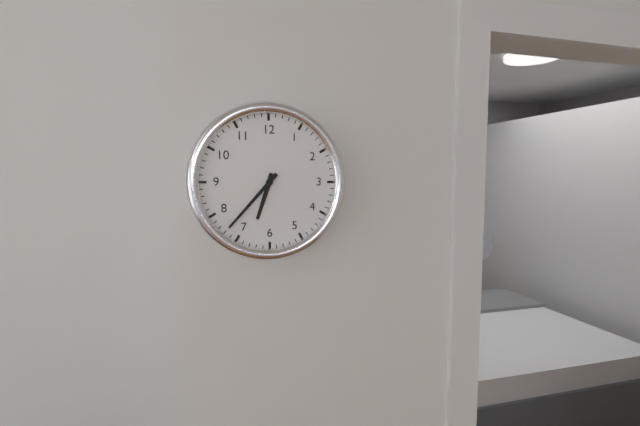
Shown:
**6:37**
